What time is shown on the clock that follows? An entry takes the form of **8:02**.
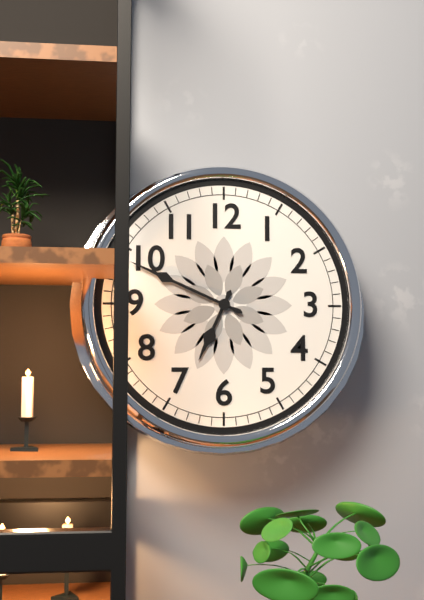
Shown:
**6:49**
